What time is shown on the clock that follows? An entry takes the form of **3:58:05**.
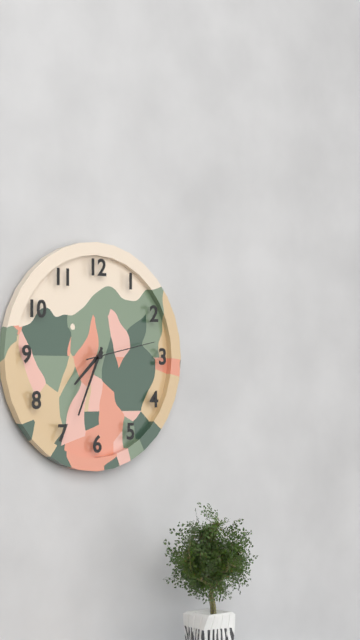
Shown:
**7:34:13**
